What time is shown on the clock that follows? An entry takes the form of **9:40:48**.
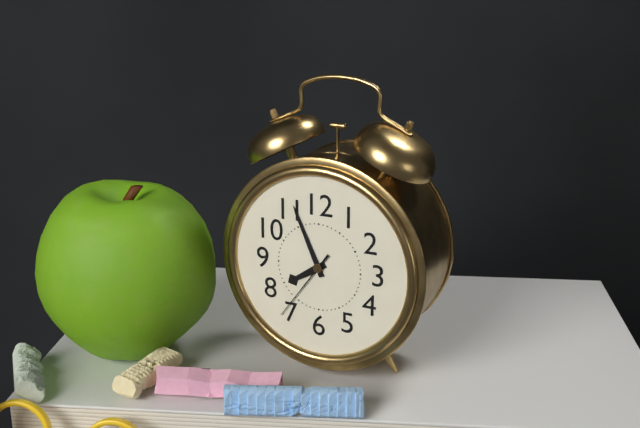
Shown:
**7:56:36**
